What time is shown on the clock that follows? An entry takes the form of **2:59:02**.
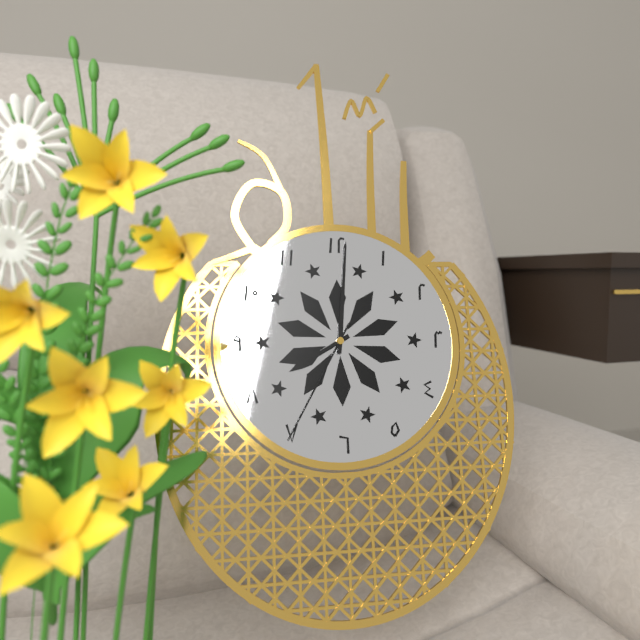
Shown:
**8:01:35**
